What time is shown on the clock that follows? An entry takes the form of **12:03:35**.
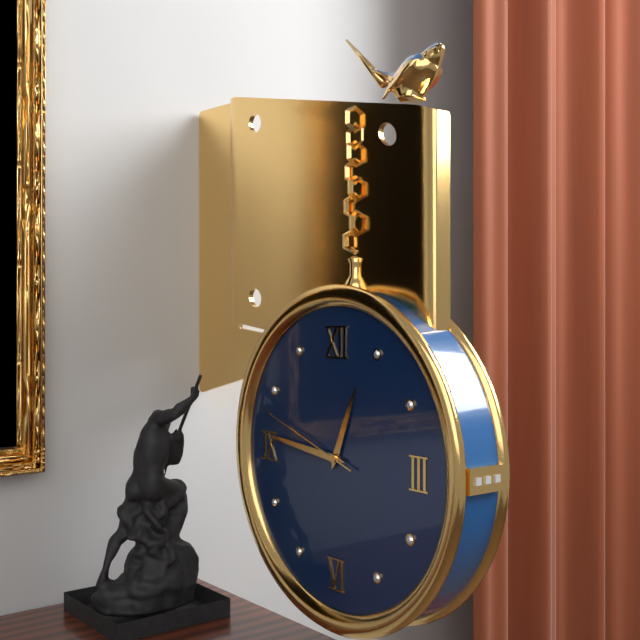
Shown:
**12:46:48**
